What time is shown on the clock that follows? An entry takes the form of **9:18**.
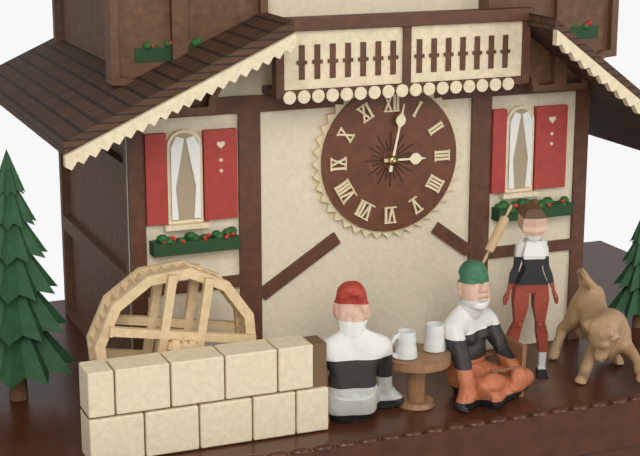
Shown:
**3:02**
